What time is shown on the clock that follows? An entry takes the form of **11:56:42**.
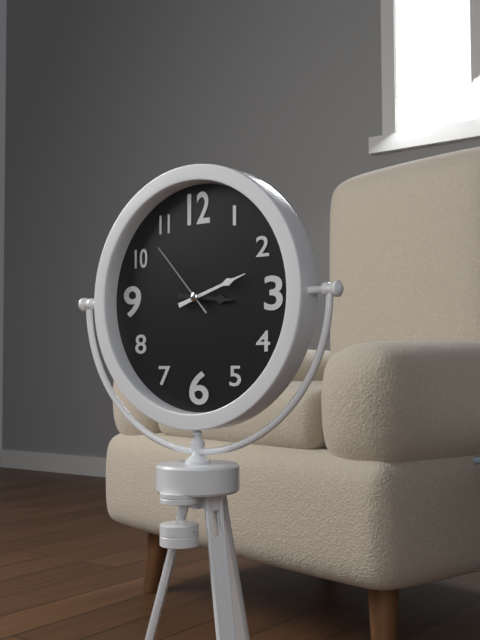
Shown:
**3:12:53**
